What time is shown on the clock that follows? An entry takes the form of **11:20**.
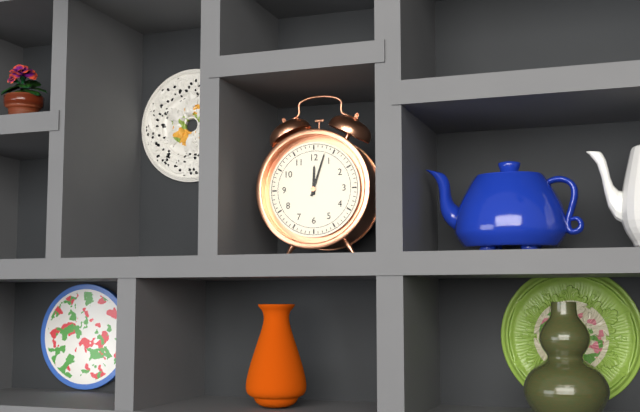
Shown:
**12:03**
